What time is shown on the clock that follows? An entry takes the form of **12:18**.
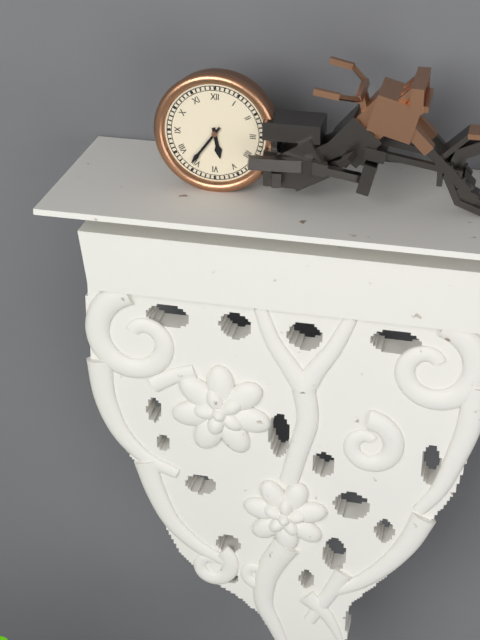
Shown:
**5:36**
